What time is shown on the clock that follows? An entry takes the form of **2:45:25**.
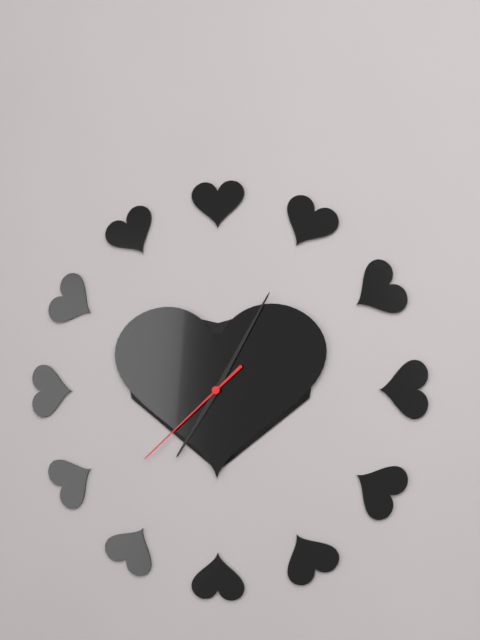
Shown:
**7:05:38**
